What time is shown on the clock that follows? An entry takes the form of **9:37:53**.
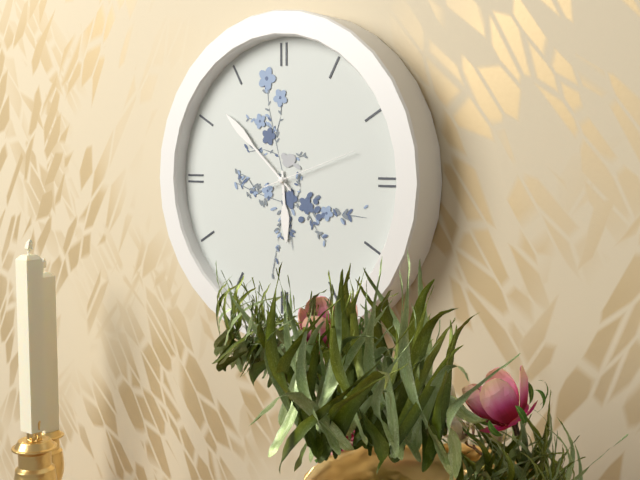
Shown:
**5:52:12**
